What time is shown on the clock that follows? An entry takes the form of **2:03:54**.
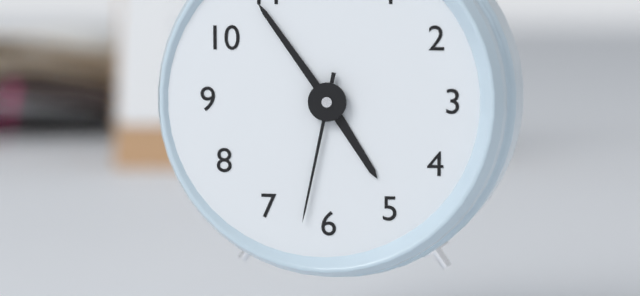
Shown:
**4:54:32**
